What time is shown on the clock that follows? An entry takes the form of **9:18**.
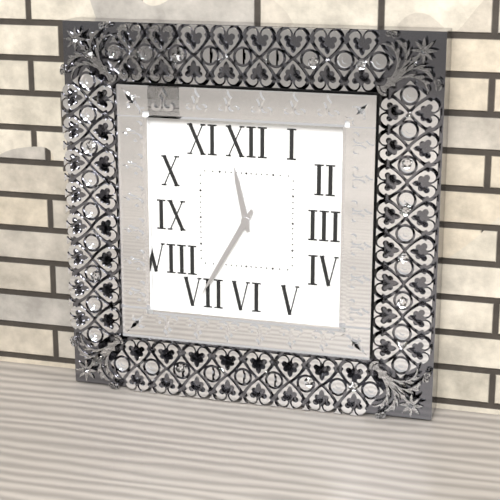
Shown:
**11:35**
